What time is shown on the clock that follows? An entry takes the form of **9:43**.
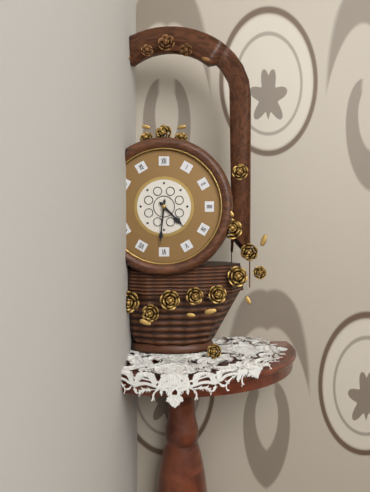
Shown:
**4:31**
